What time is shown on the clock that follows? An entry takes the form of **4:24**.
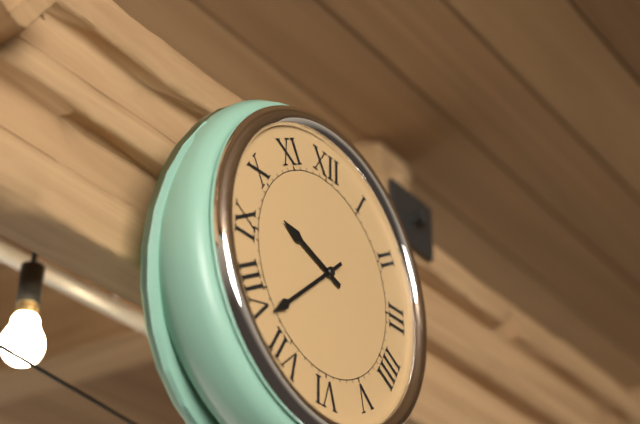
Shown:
**9:38**
